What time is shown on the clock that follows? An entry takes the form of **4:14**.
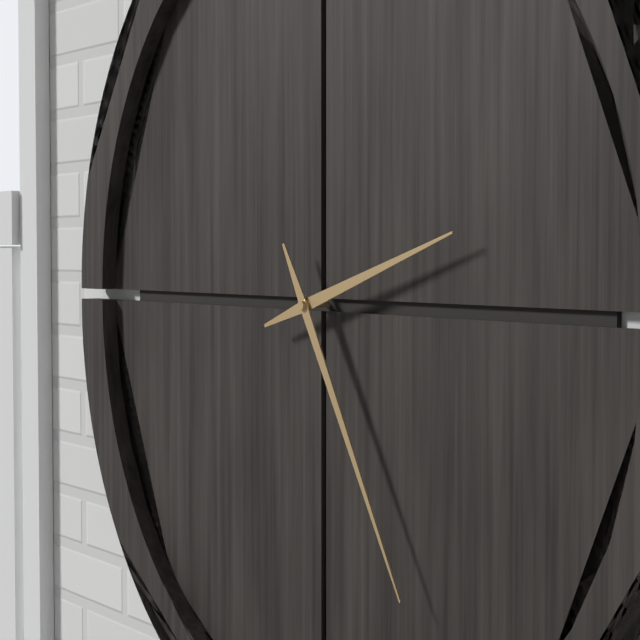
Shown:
**2:25**
